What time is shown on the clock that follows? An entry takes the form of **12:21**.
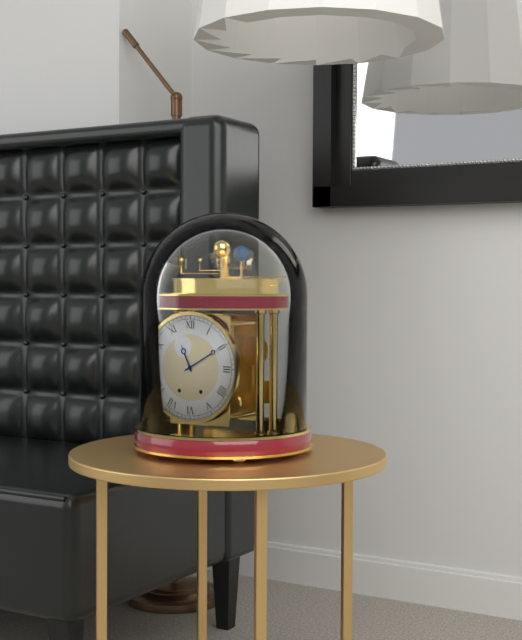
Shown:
**11:10**
